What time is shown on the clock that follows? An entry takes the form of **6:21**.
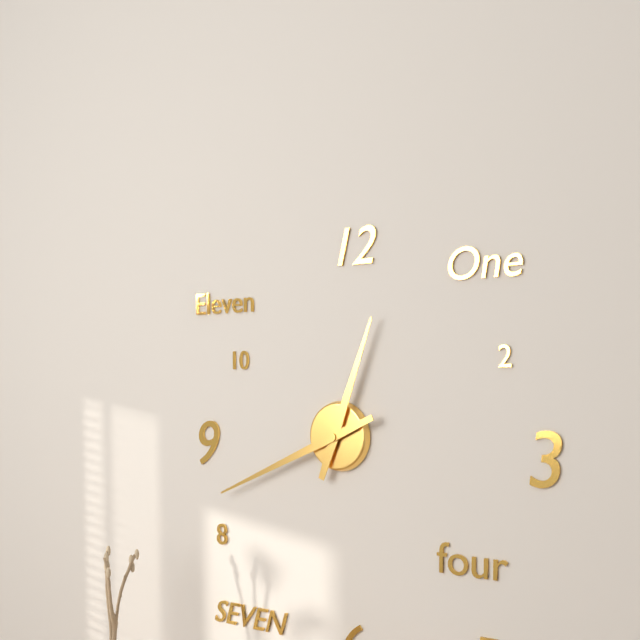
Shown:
**12:41**
